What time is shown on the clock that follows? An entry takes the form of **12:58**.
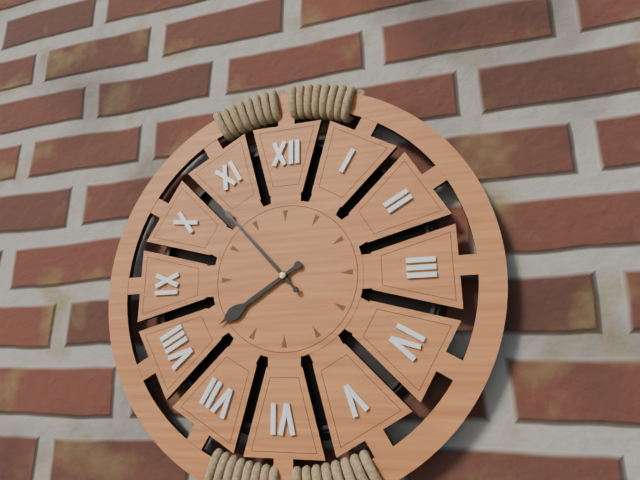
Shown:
**7:53**
